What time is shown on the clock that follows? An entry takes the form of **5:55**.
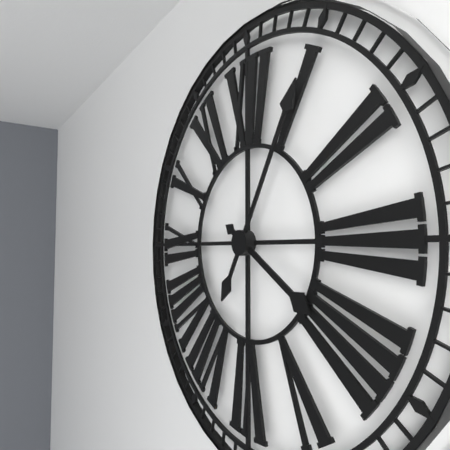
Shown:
**4:05**
